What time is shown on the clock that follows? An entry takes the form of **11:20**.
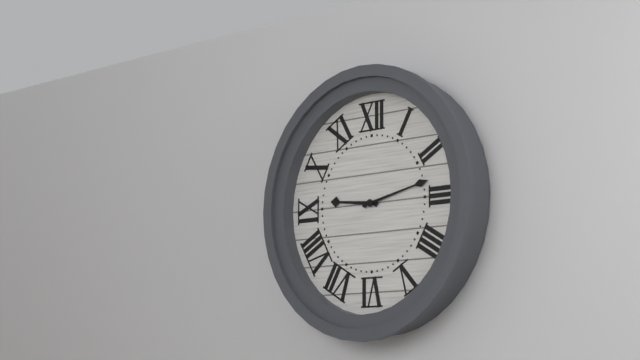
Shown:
**9:13**
